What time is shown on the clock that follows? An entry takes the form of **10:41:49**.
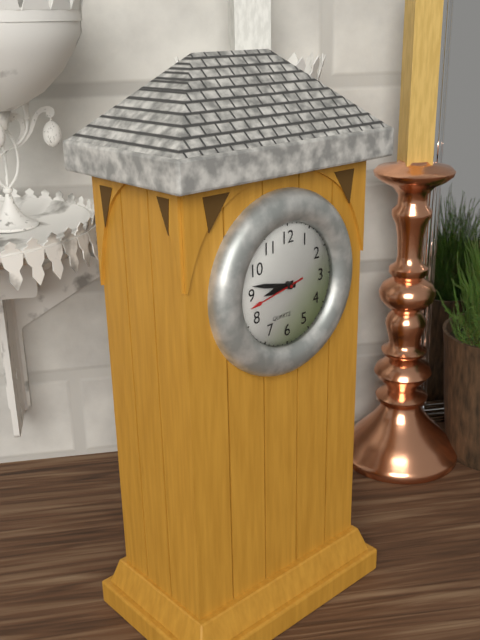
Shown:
**8:47:43**
